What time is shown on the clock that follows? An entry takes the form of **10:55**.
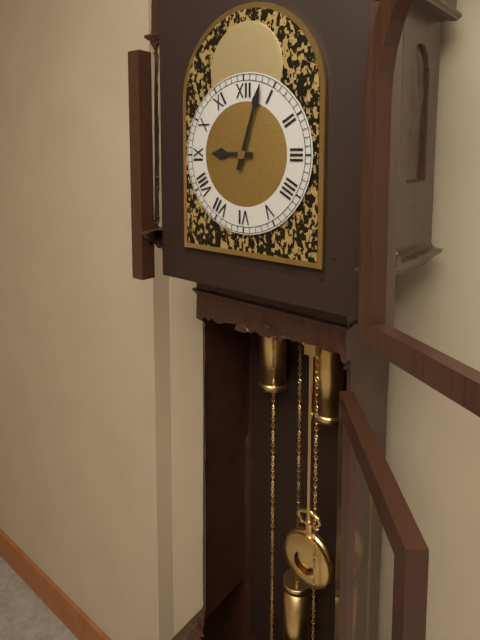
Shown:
**9:03**
